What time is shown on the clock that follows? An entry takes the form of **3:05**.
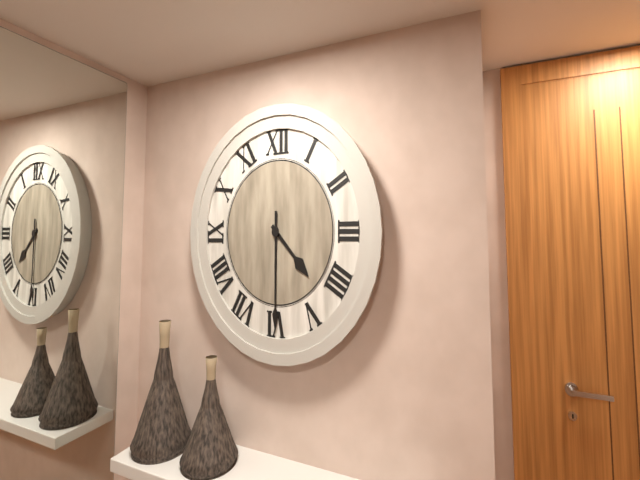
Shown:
**4:30**
